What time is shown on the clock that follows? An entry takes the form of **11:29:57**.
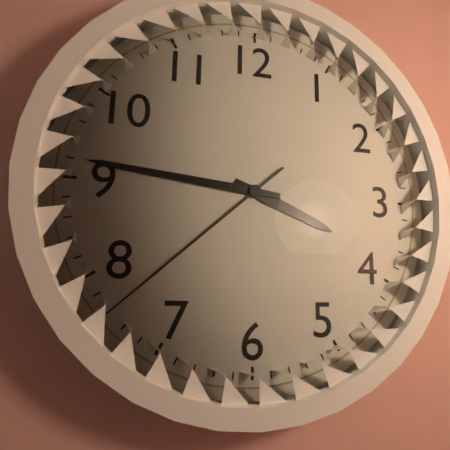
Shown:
**3:46:38**
